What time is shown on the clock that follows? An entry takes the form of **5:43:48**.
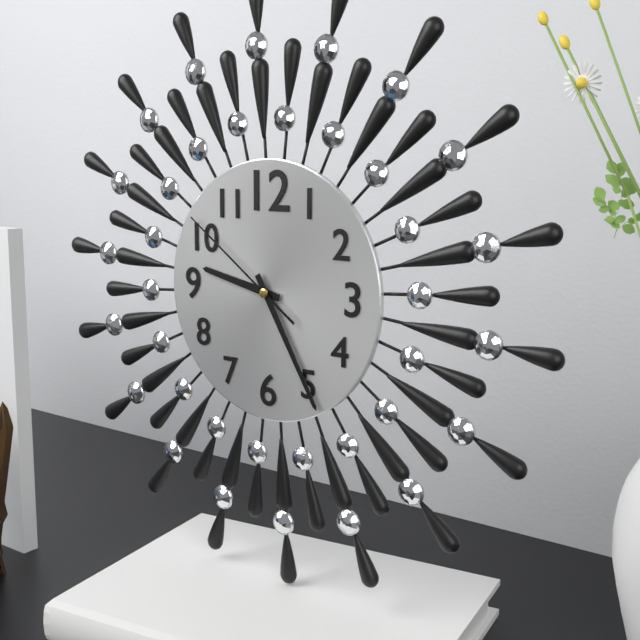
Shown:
**9:25:51**
